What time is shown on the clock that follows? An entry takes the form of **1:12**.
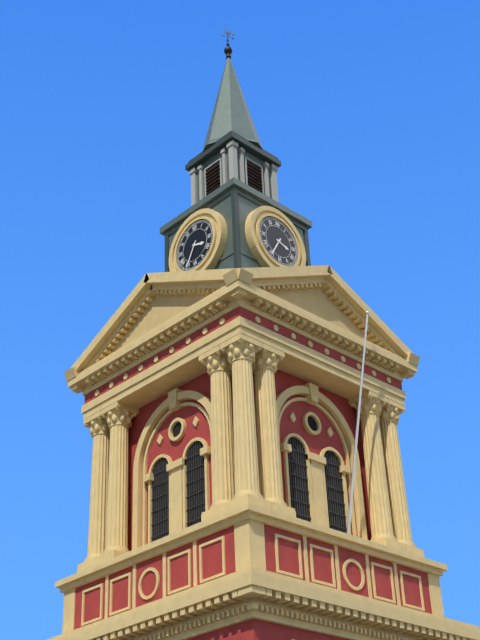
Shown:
**3:35**
